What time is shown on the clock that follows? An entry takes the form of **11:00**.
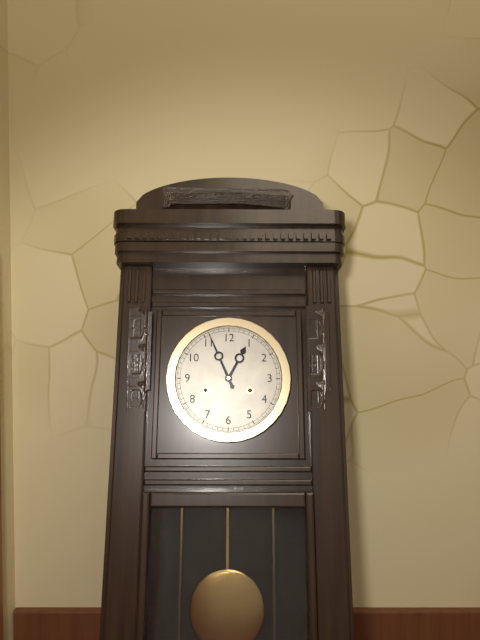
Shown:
**12:56**
